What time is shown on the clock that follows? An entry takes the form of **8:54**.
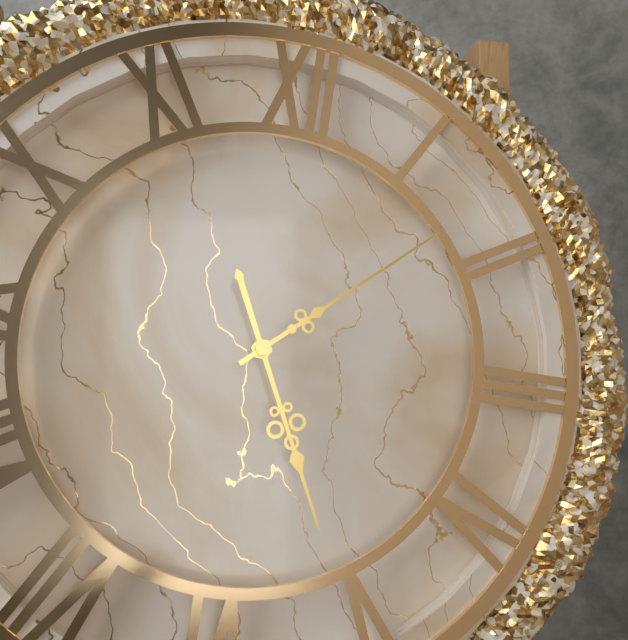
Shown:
**5:08**
